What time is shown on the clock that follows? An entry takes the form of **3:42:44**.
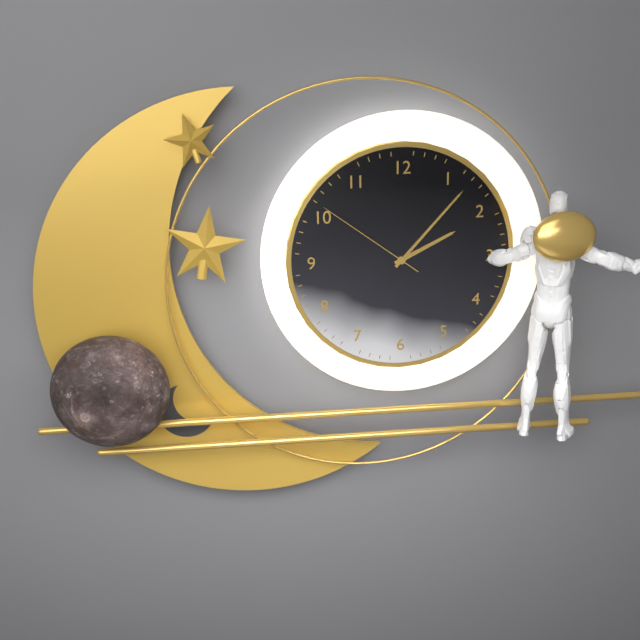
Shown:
**2:07:51**
